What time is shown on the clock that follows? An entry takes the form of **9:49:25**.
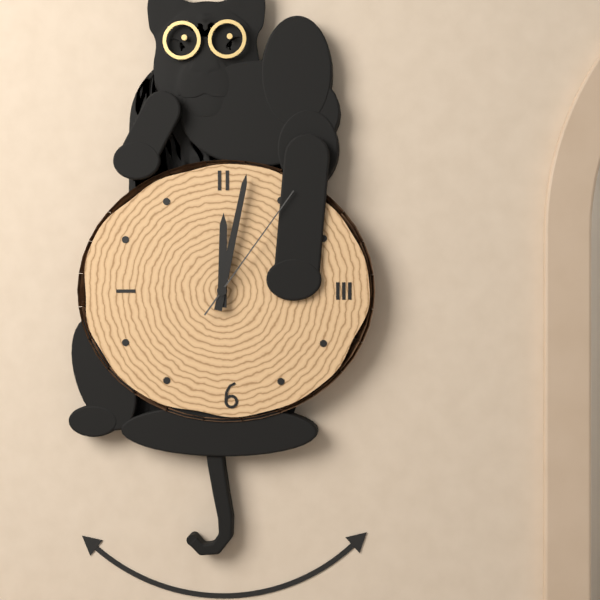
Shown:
**12:02:06**
